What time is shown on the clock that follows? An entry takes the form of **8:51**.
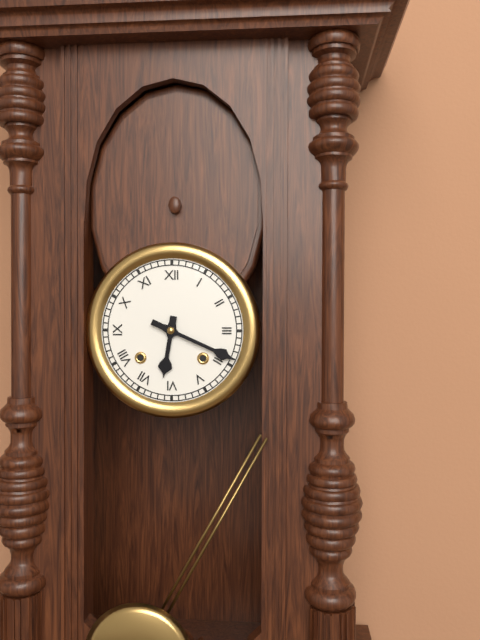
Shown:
**6:19**
